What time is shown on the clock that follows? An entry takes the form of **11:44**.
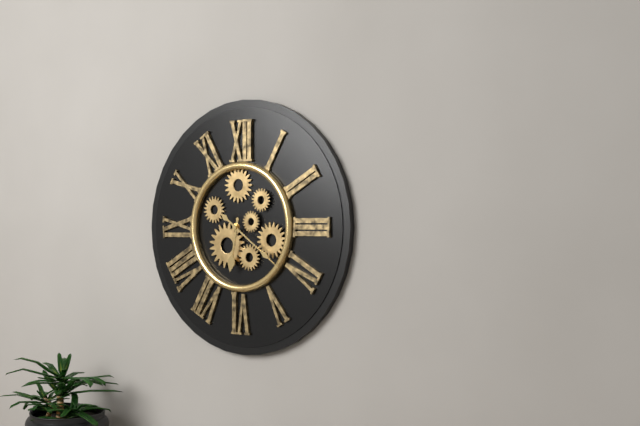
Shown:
**6:21**
